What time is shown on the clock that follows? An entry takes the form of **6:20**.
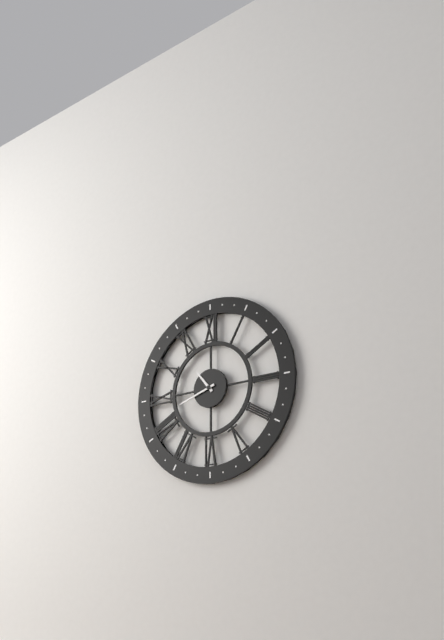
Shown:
**10:42**
